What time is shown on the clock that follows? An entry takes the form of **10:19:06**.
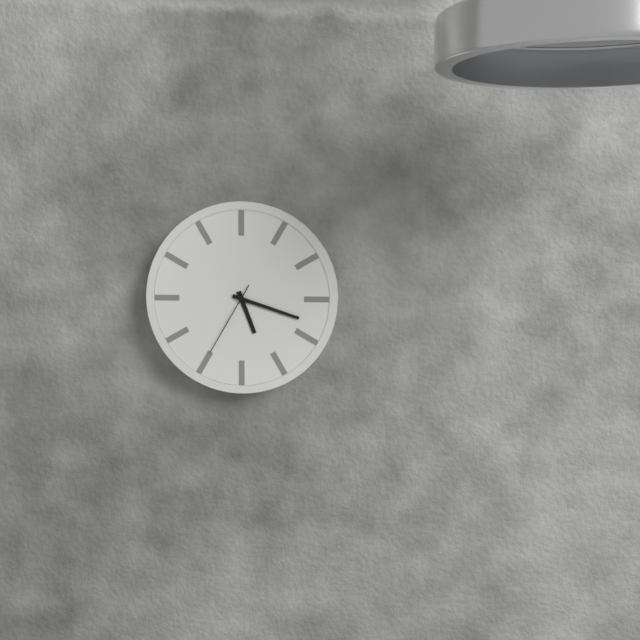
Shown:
**5:18:35**
